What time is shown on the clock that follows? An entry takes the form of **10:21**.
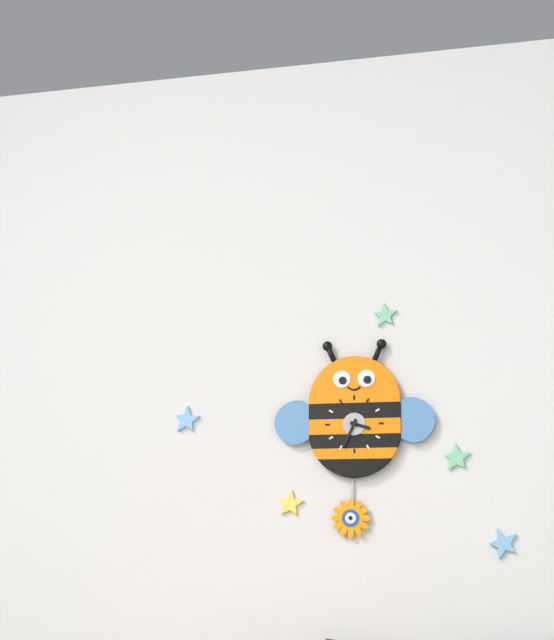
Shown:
**3:34**
